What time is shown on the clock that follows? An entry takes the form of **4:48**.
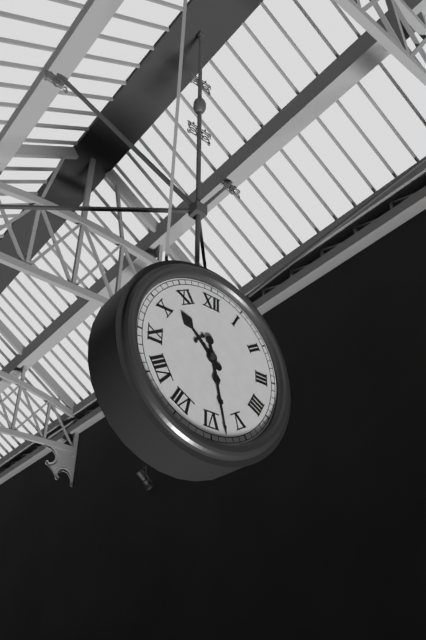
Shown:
**10:28**
